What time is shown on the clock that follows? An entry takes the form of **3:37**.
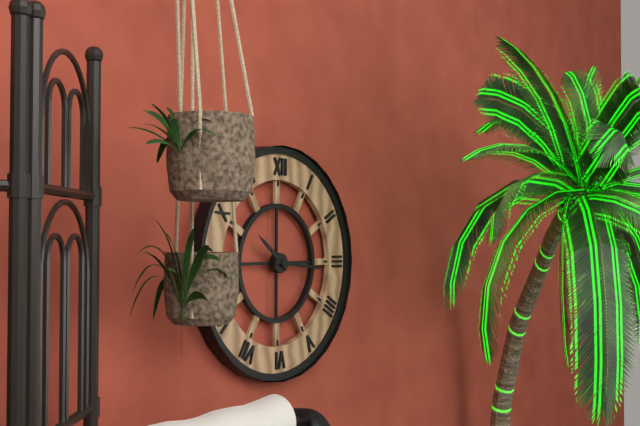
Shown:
**10:16**
